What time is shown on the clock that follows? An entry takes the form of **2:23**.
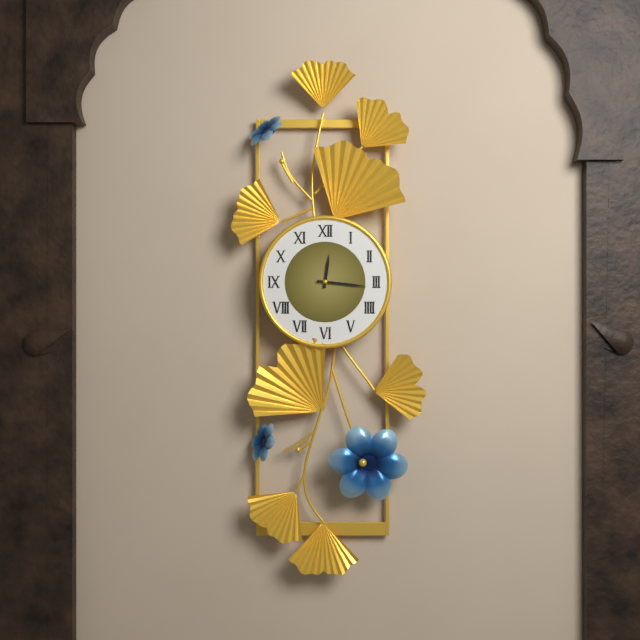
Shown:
**12:16**
